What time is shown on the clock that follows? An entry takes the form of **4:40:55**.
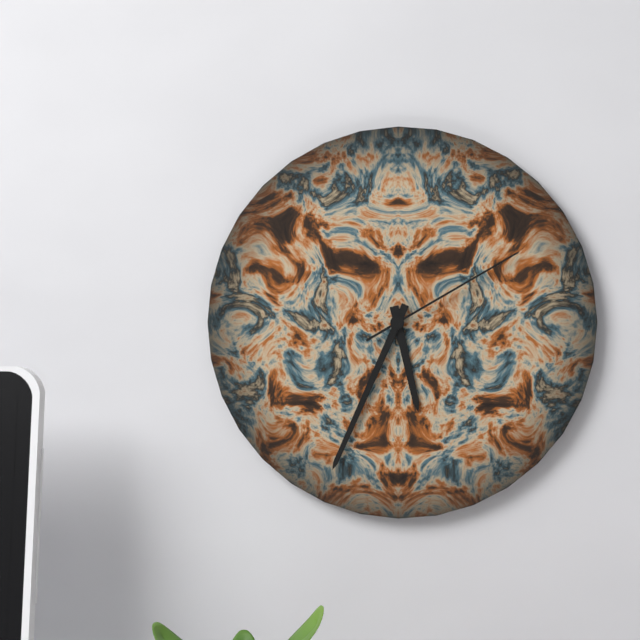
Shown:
**5:34:10**
